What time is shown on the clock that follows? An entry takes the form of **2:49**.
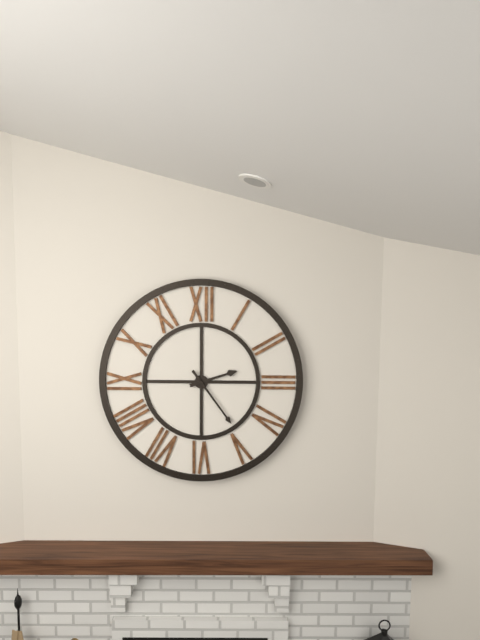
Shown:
**2:24**
